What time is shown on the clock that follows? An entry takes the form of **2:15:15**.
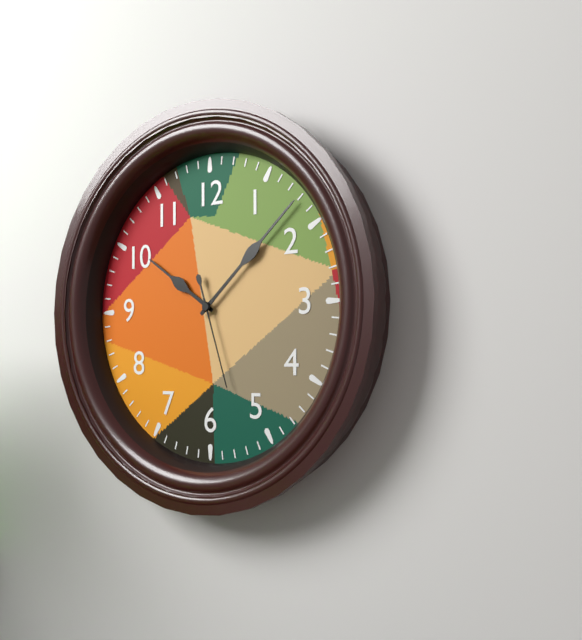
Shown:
**10:08:27**
